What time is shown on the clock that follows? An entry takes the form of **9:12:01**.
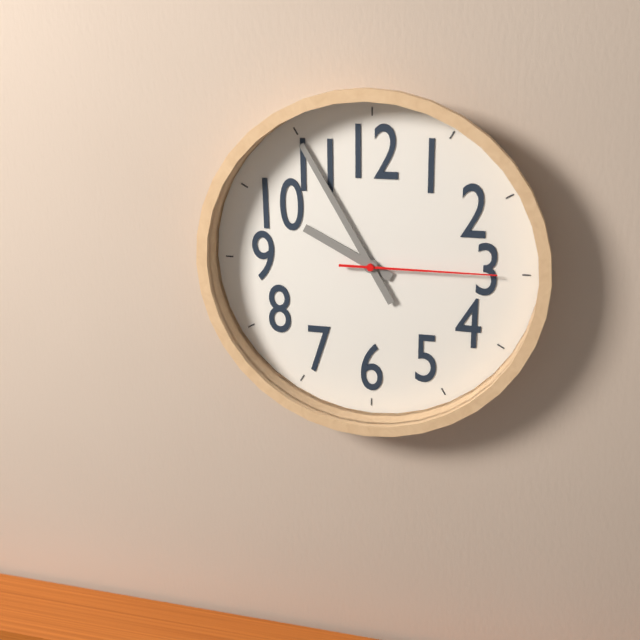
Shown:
**9:55:15**
